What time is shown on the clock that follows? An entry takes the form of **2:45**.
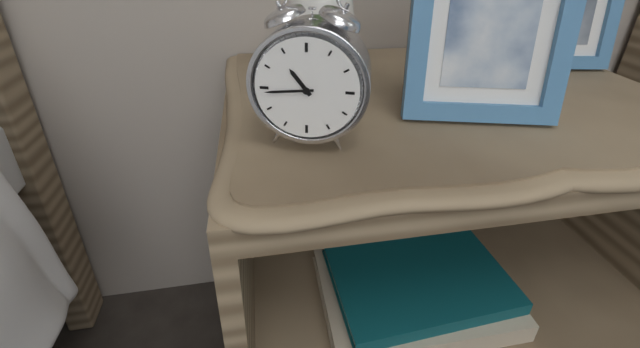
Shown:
**10:44**
